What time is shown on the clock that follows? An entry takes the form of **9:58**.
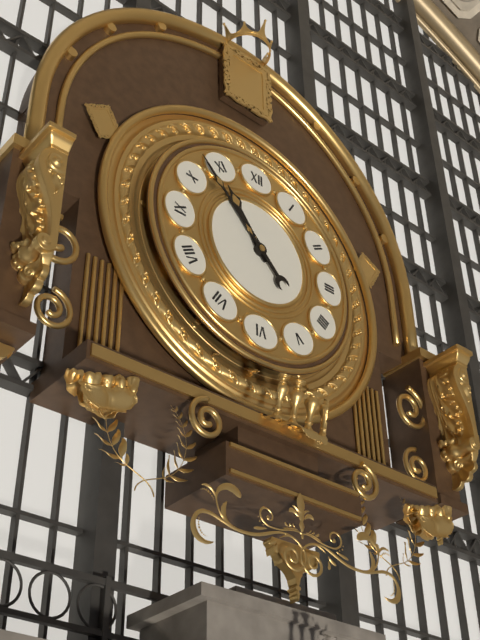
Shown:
**10:53**
